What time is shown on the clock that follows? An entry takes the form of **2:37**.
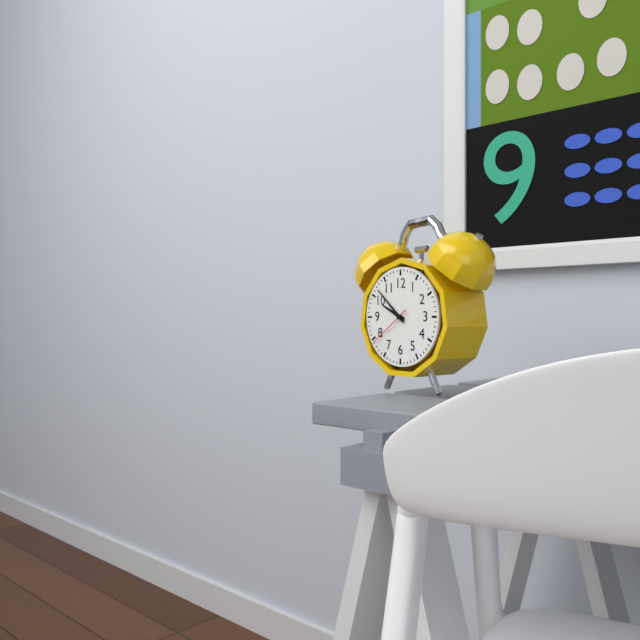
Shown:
**9:52**
